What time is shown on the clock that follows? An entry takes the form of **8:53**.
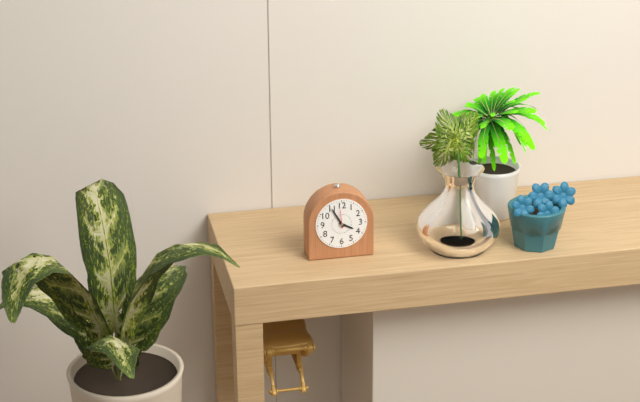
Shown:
**3:55**
